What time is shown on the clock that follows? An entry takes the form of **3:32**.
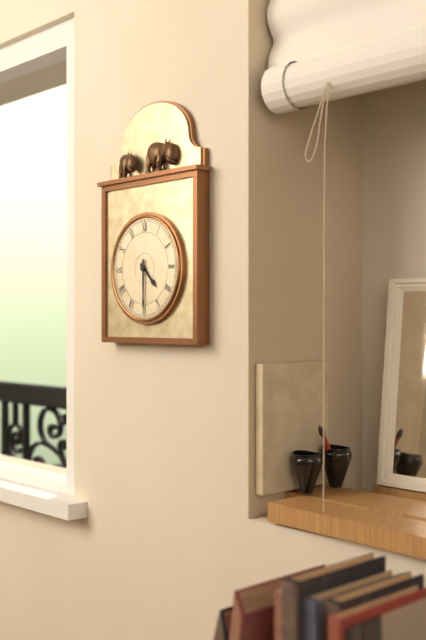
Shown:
**4:30**
